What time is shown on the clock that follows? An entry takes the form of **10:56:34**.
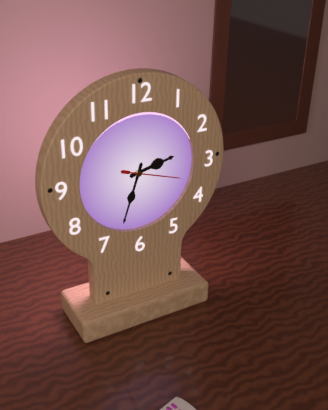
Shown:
**2:33:18**
